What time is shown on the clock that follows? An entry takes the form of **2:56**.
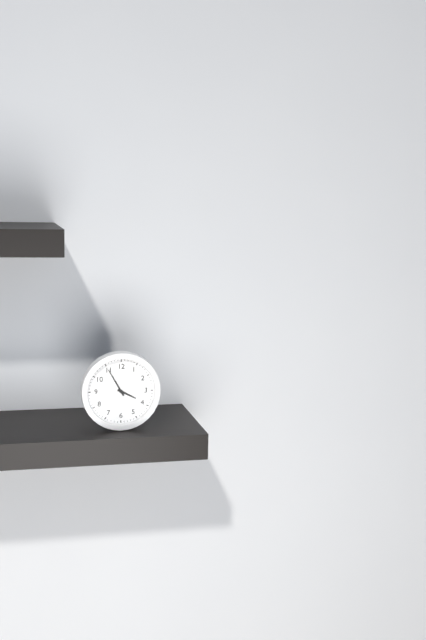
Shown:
**3:55**
